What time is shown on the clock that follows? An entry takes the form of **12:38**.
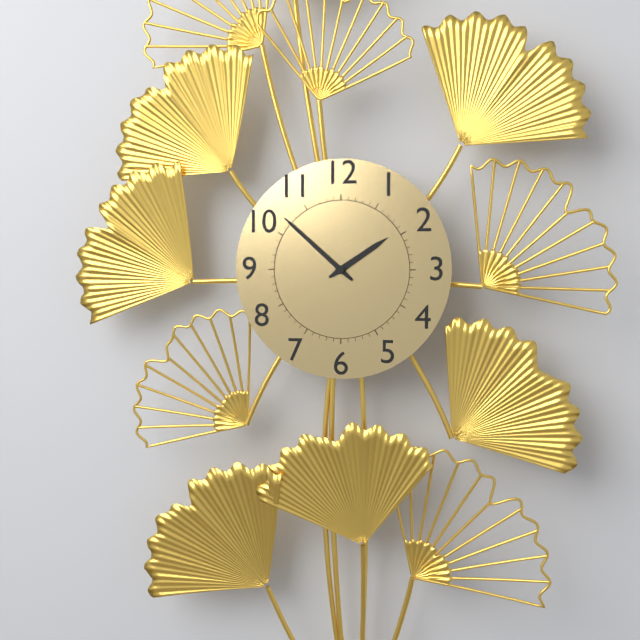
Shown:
**1:52**
